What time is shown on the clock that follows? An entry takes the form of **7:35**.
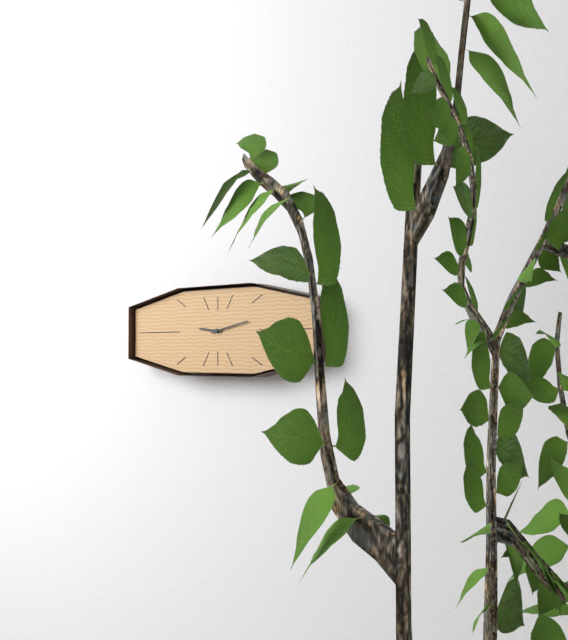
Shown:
**9:13**
